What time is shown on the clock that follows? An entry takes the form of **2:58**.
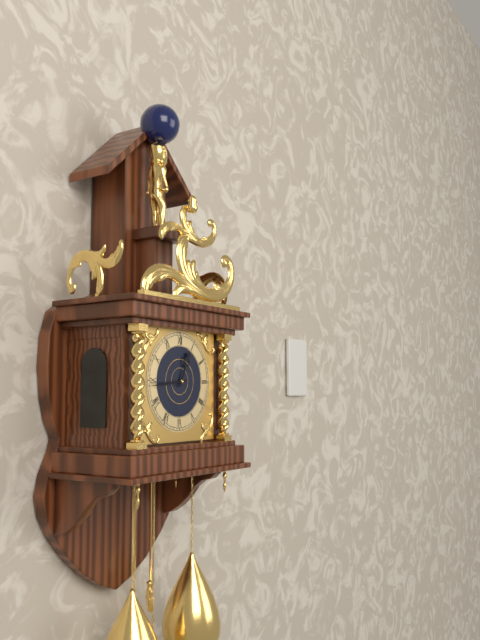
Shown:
**12:44**
